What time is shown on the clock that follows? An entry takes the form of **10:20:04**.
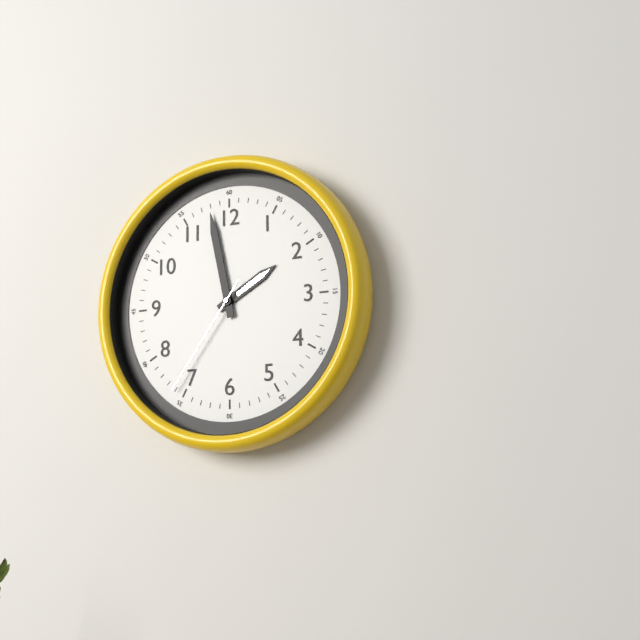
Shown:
**1:58:36**
